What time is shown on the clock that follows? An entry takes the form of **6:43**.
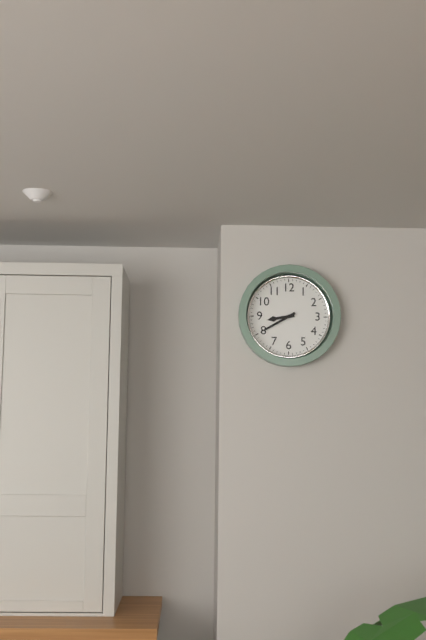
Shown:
**8:40**
